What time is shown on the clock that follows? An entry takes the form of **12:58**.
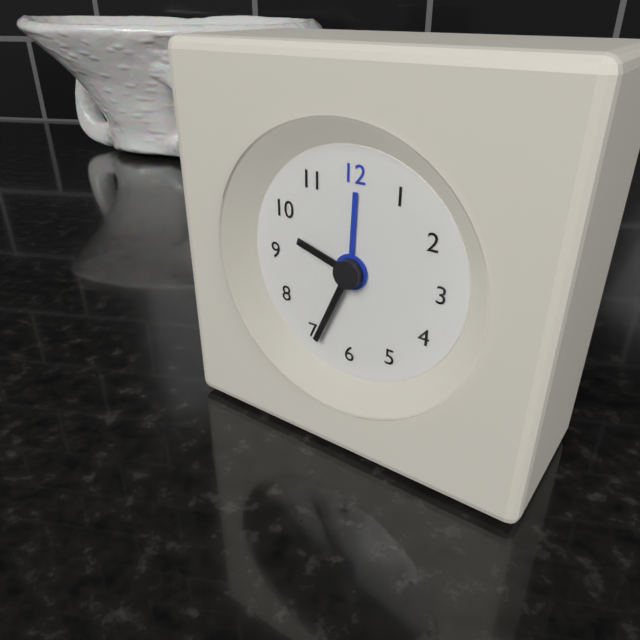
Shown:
**9:34**
